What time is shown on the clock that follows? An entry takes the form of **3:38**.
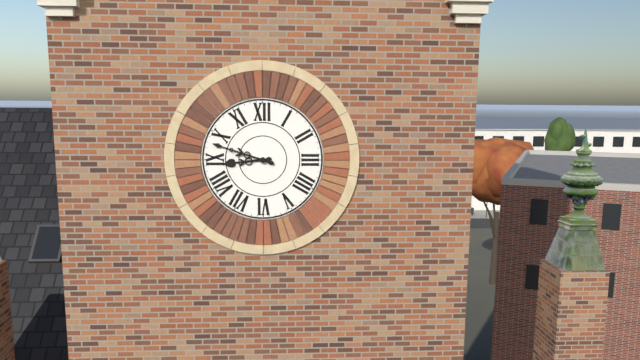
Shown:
**8:48**
